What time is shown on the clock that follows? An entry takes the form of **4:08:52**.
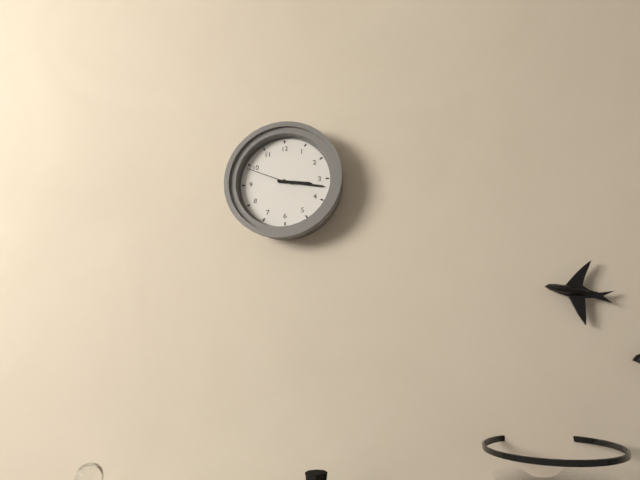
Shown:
**3:17:49**
